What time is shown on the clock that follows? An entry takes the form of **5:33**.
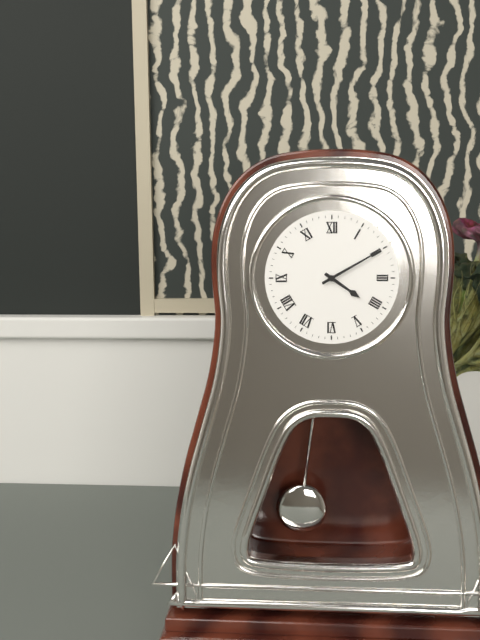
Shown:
**4:10**
